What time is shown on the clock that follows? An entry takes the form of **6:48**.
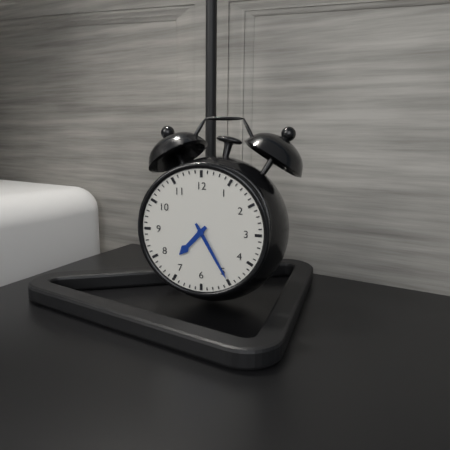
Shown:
**7:25**
